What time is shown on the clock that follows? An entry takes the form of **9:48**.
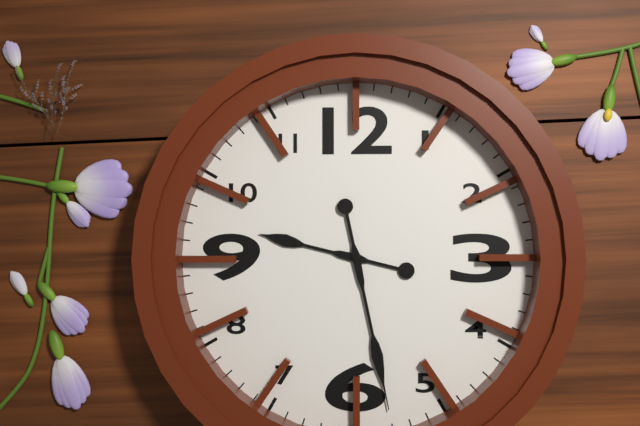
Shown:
**9:28**
